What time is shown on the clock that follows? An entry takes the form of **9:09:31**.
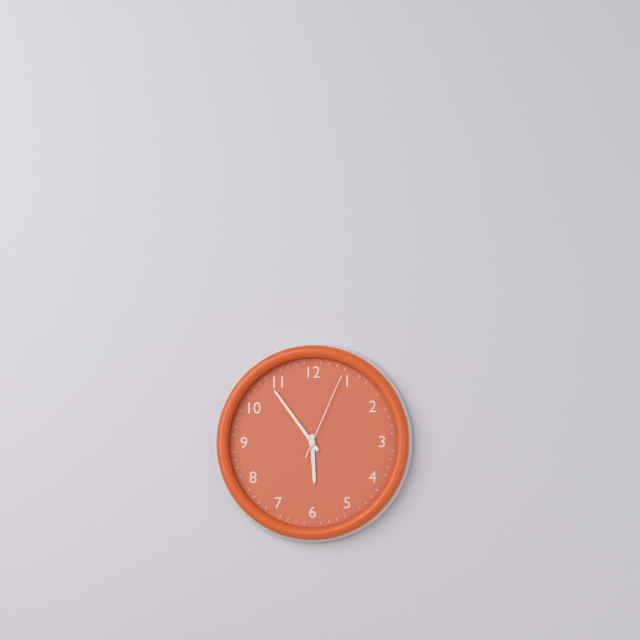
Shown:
**5:54:04**
